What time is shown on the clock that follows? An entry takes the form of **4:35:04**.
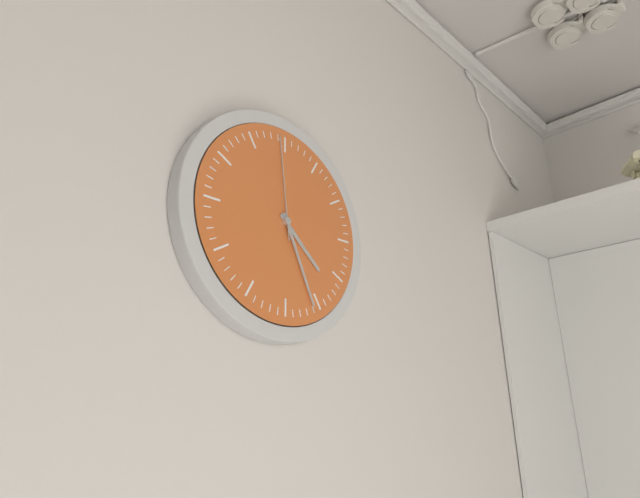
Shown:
**4:26:59**
